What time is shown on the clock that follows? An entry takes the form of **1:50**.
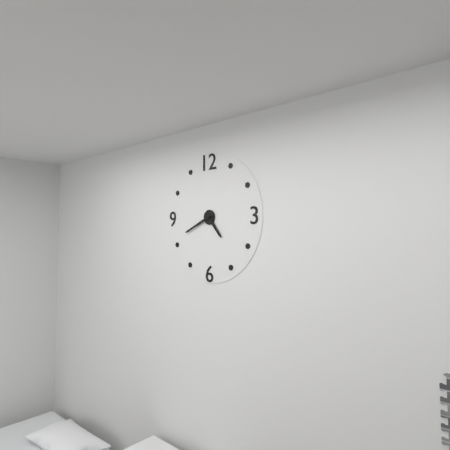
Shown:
**4:41**
